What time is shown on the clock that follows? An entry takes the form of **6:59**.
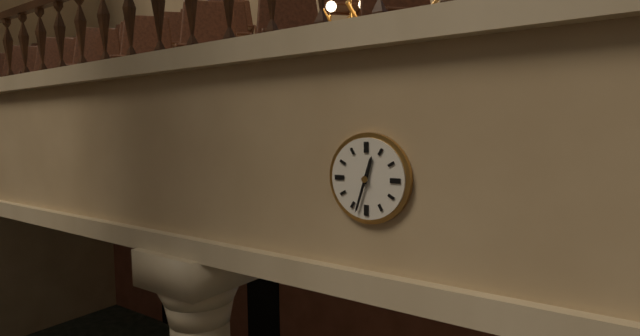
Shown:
**12:33**
